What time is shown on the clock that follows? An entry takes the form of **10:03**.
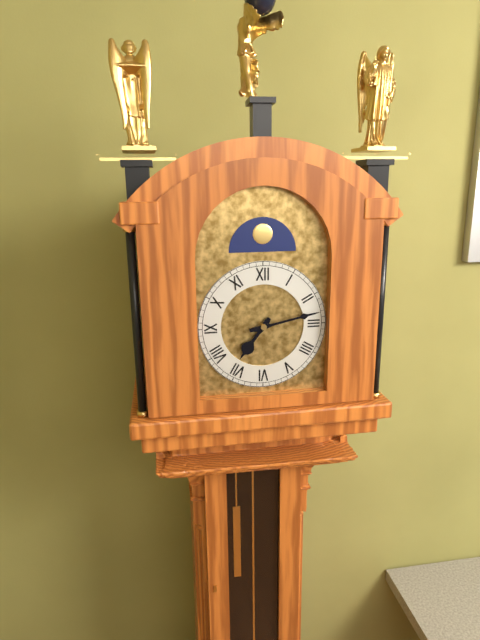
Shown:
**7:13**
